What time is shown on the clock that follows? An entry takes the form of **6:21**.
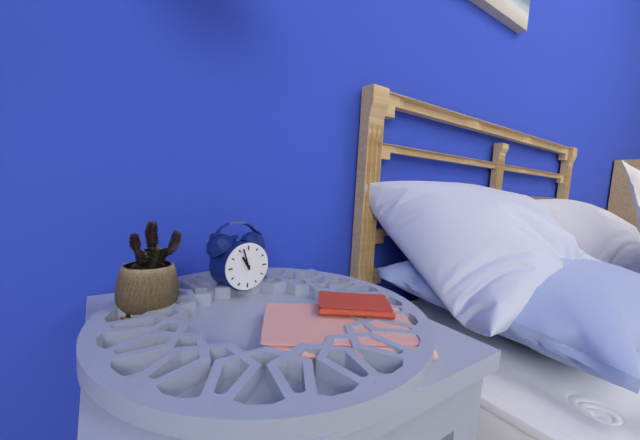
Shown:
**10:57**
